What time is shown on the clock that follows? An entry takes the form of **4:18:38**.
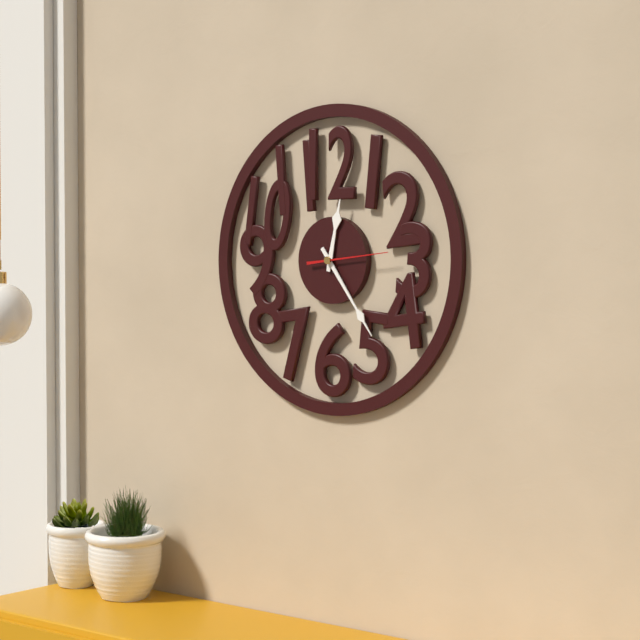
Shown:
**12:24:14**
